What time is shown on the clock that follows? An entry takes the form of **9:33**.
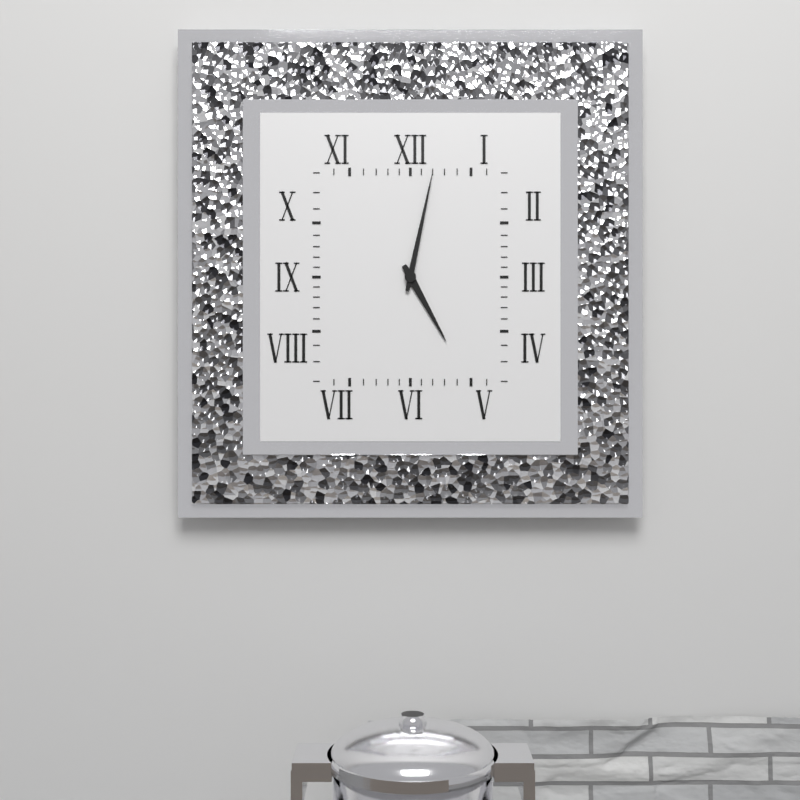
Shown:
**5:02**
